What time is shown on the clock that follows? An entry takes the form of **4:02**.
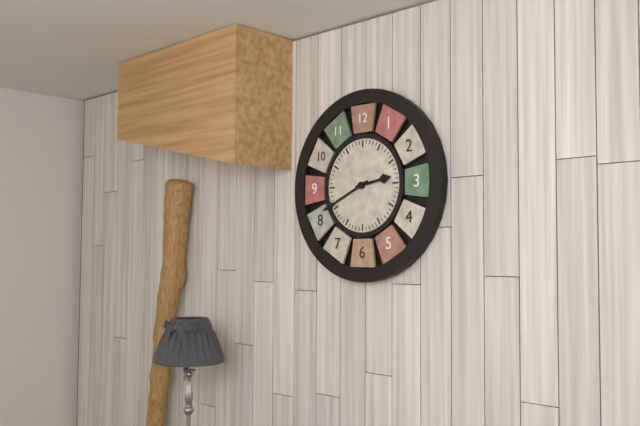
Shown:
**2:41**
